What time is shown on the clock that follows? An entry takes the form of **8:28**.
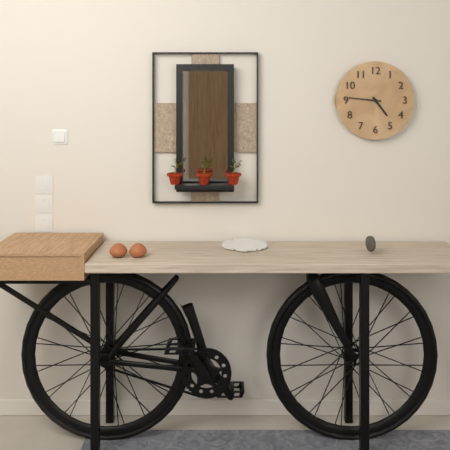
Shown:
**4:46**
